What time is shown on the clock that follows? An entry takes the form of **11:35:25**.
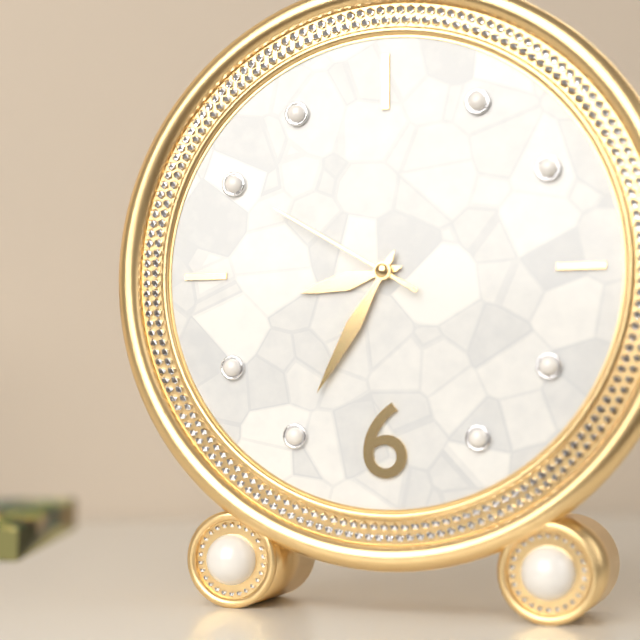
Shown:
**8:35:50**
